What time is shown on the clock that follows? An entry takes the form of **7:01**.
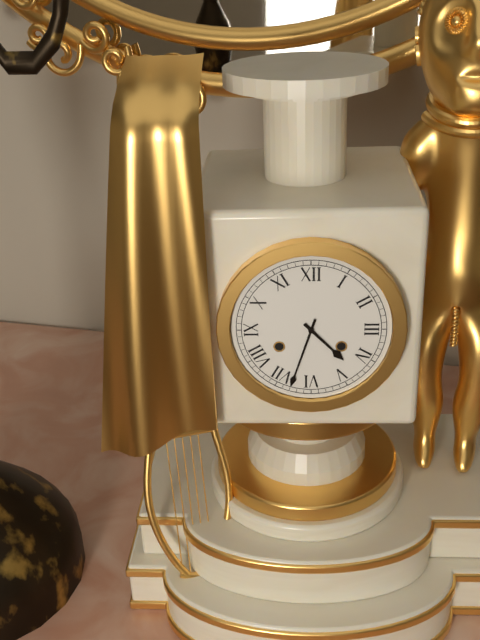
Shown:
**4:33**
